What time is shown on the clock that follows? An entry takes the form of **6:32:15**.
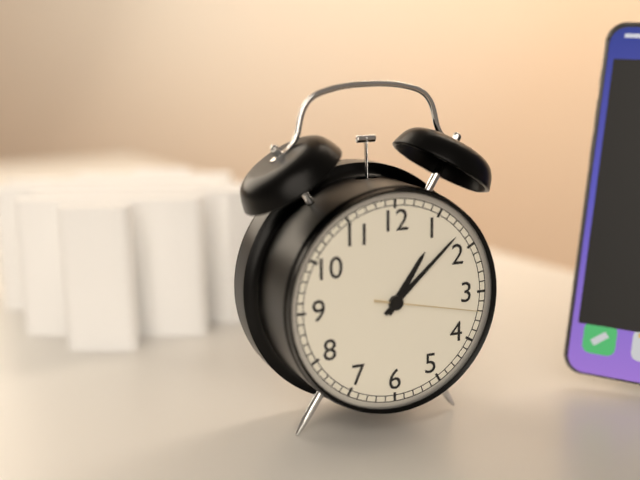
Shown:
**1:08:17**
